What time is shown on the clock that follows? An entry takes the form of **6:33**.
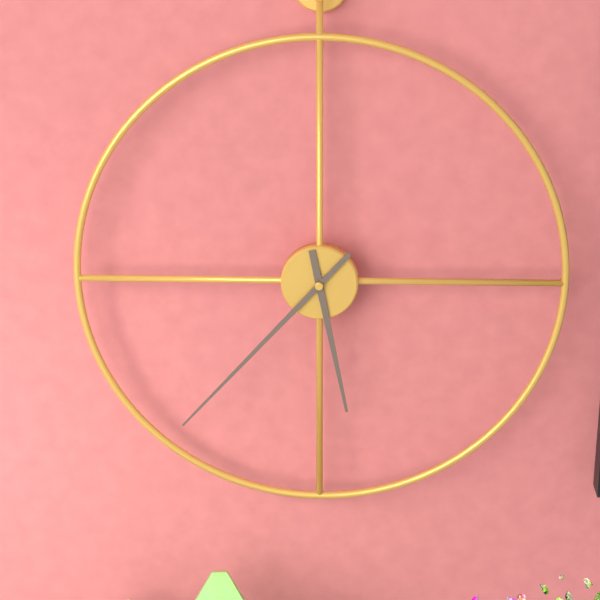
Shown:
**5:37**
